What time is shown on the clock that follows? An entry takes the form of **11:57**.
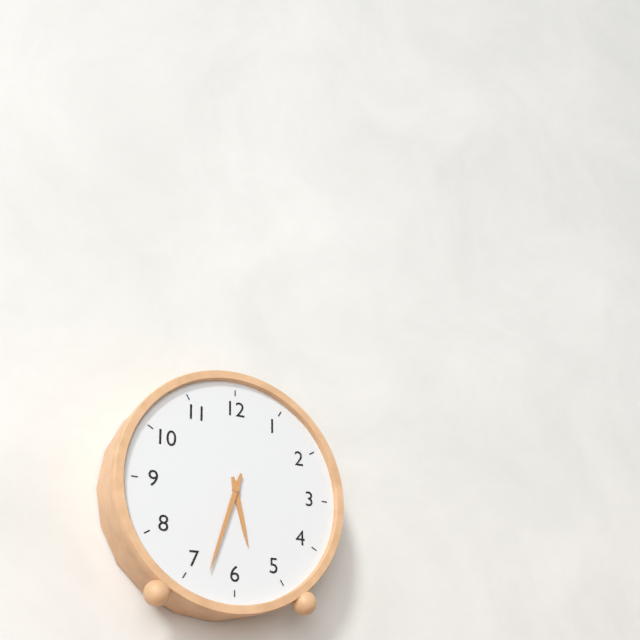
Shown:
**5:33**
